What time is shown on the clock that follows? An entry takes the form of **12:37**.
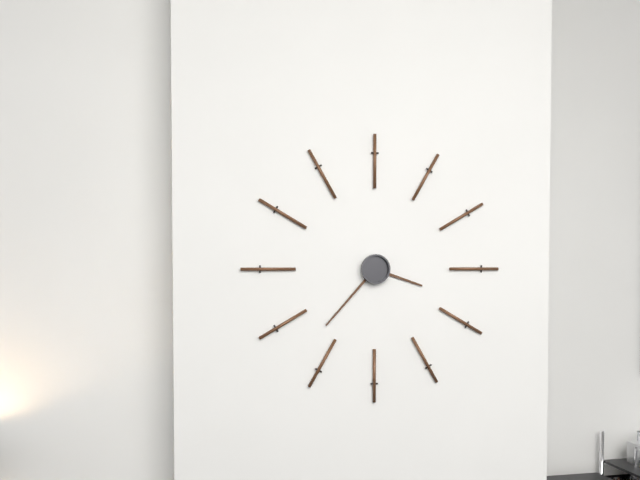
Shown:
**3:37**
